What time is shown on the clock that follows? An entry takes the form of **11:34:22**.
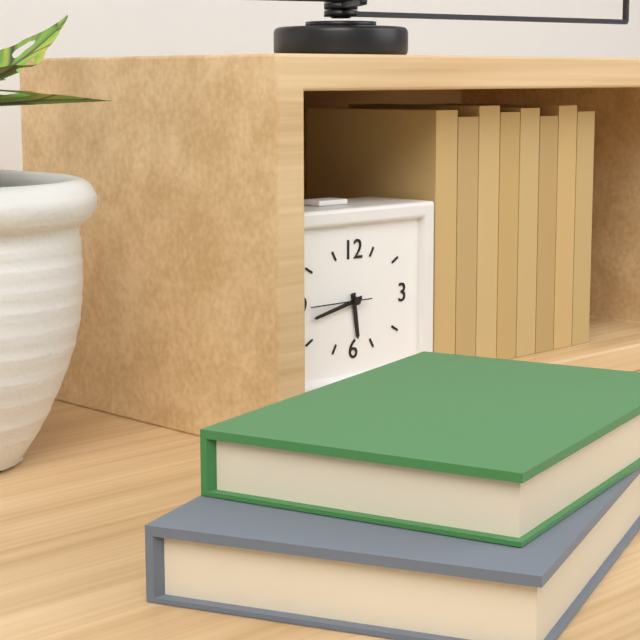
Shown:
**5:43:45**
